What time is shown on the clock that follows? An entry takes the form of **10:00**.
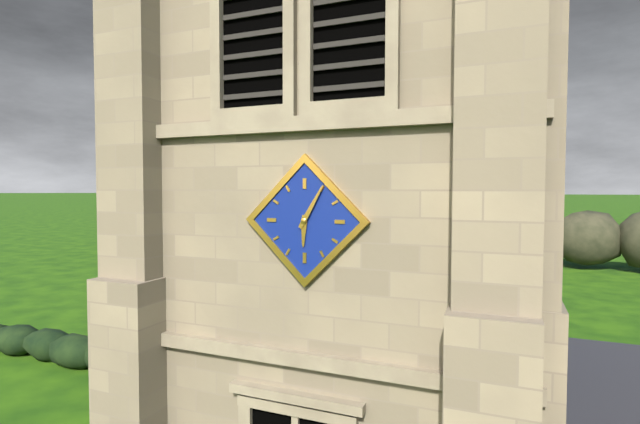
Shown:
**6:05**
